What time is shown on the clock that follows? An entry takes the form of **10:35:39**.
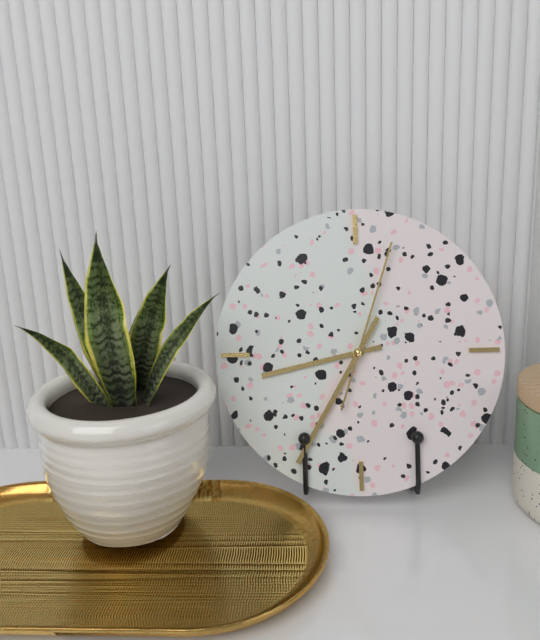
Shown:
**8:35:03**
